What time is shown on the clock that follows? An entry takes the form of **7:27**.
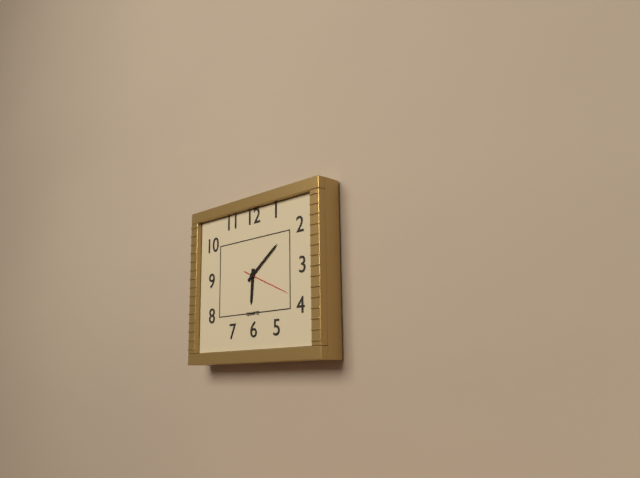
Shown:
**6:09**
